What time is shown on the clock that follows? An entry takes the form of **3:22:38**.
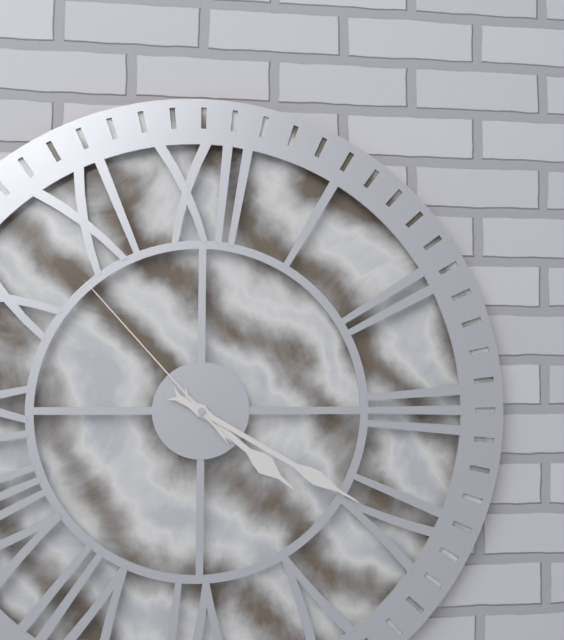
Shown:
**4:20:53**
